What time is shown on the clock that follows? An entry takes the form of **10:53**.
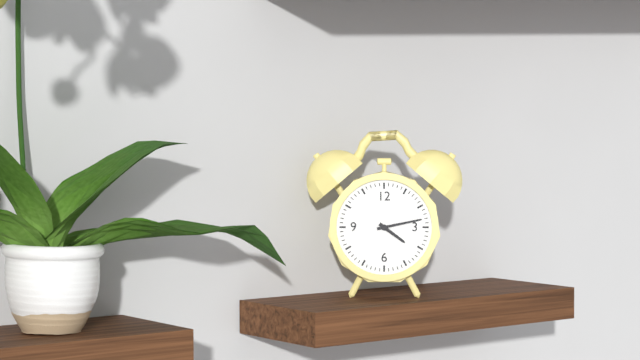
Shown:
**4:13**
